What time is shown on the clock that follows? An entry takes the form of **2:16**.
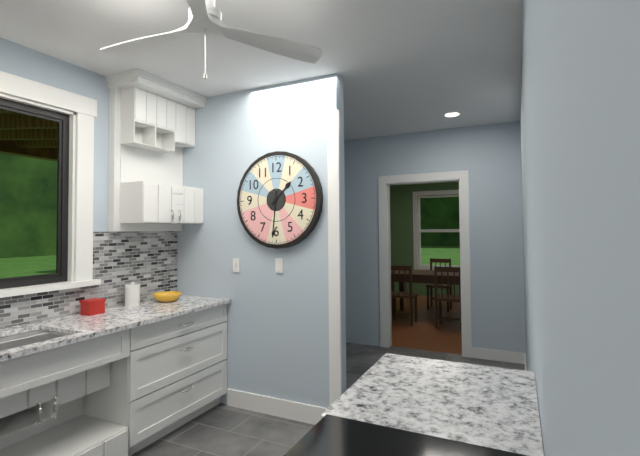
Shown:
**1:31**
